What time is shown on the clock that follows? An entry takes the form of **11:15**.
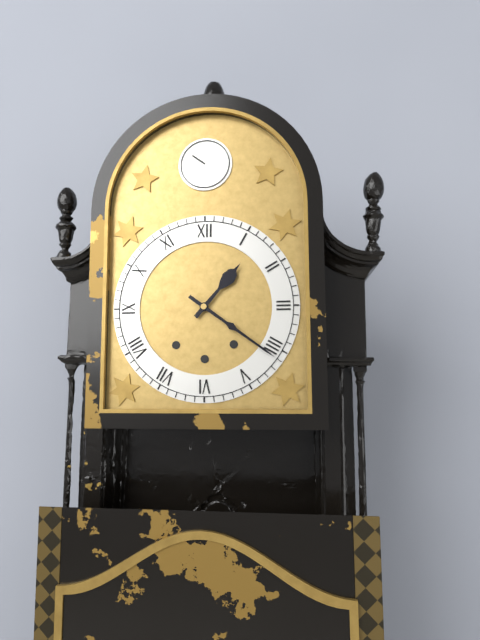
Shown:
**1:21**
